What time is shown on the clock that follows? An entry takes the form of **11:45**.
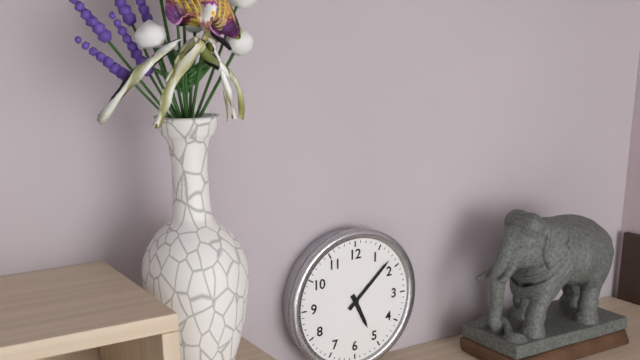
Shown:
**5:08**
